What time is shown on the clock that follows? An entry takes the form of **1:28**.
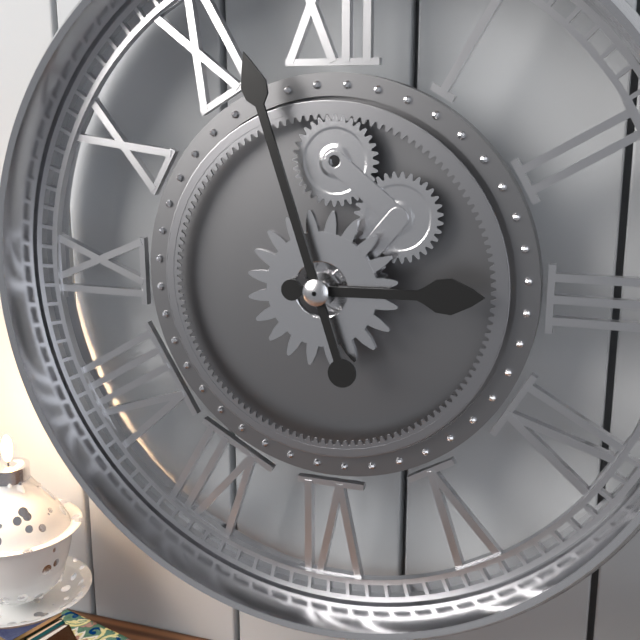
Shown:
**2:57**
